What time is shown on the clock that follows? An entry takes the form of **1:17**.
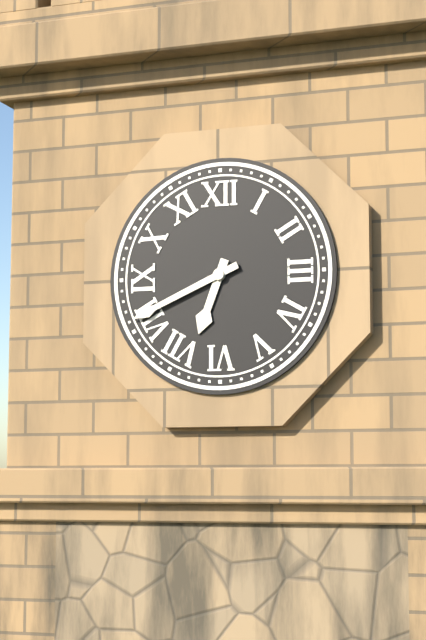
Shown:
**6:41**
